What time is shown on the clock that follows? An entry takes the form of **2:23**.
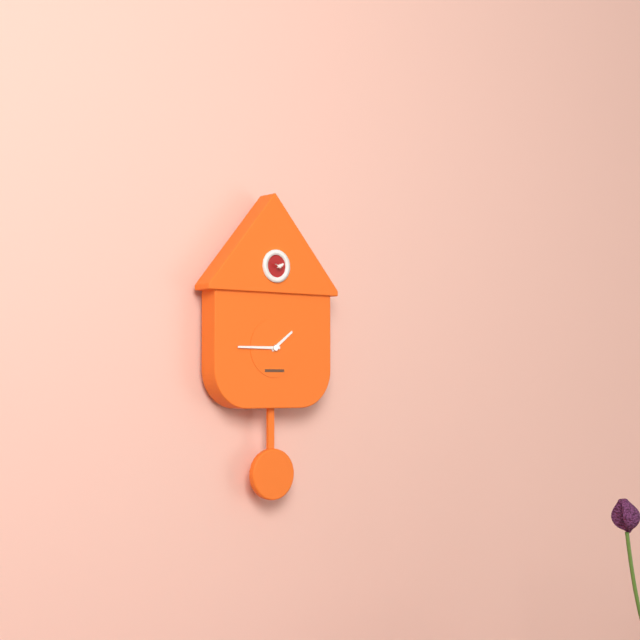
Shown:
**1:45**
